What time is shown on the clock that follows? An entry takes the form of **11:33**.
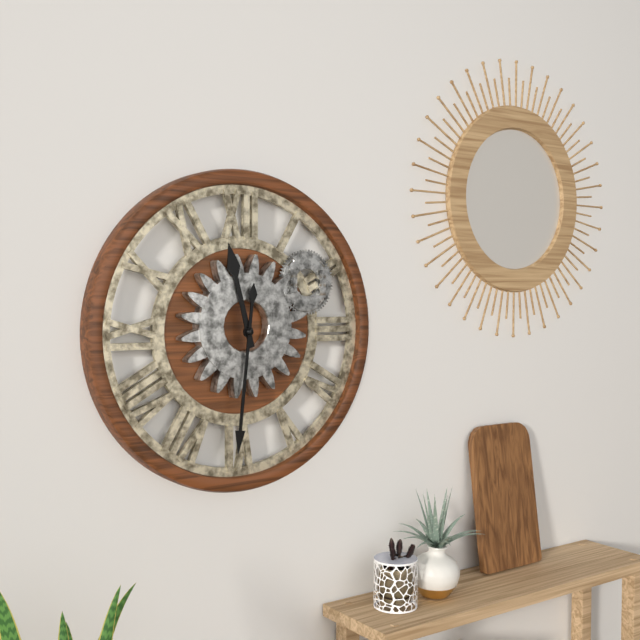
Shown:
**11:31**
